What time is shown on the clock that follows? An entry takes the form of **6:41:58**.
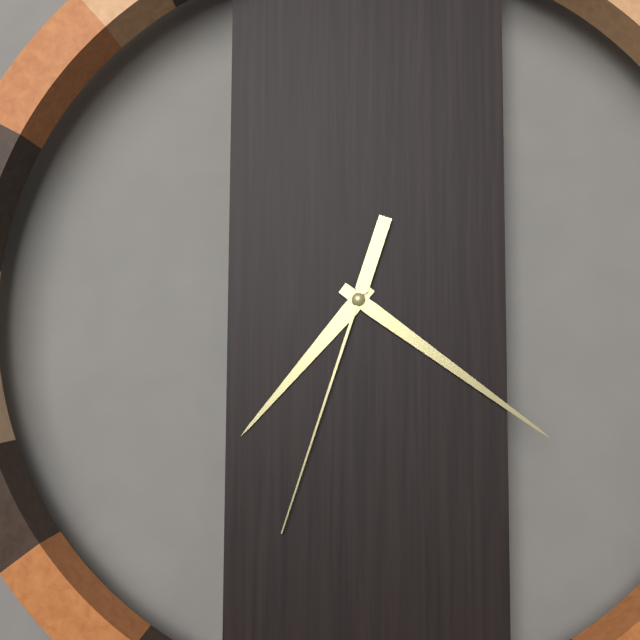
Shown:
**7:21:33**
